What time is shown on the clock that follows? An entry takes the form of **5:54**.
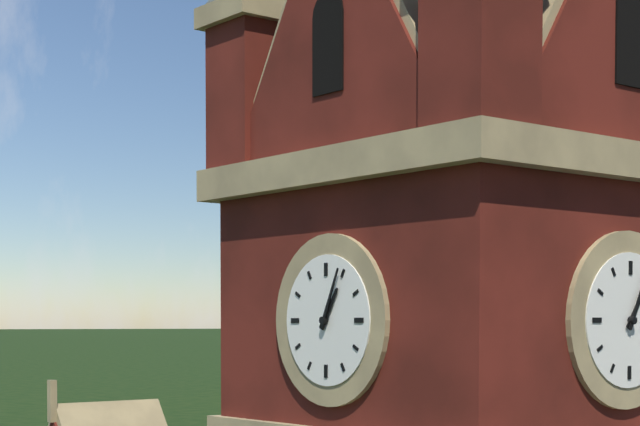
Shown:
**1:04**
